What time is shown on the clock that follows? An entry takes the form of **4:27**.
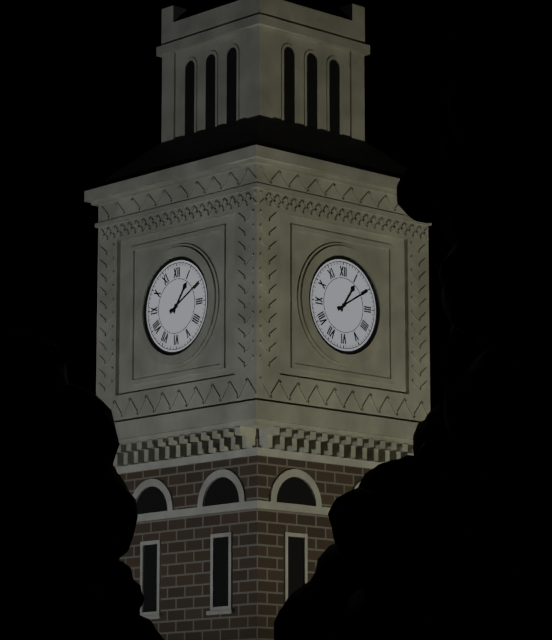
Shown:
**1:10**
